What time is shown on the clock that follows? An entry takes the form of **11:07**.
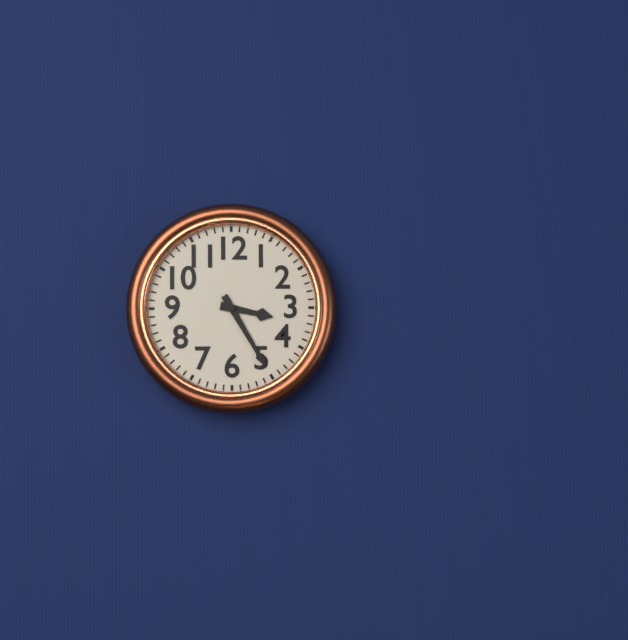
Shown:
**3:25**
